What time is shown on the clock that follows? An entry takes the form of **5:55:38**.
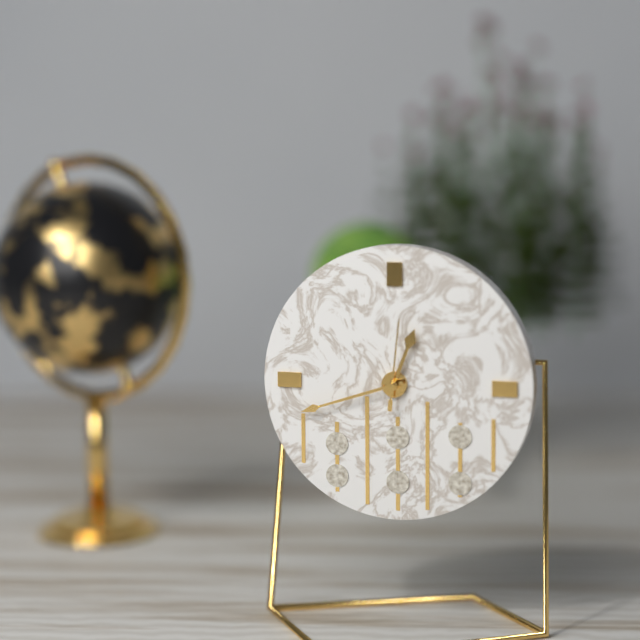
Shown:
**12:42:01**
